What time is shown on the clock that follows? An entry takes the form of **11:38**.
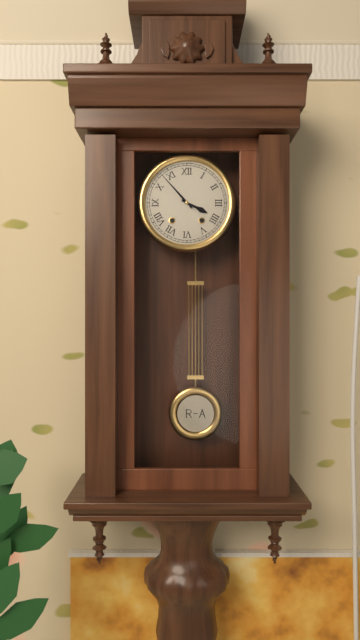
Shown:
**3:53**
